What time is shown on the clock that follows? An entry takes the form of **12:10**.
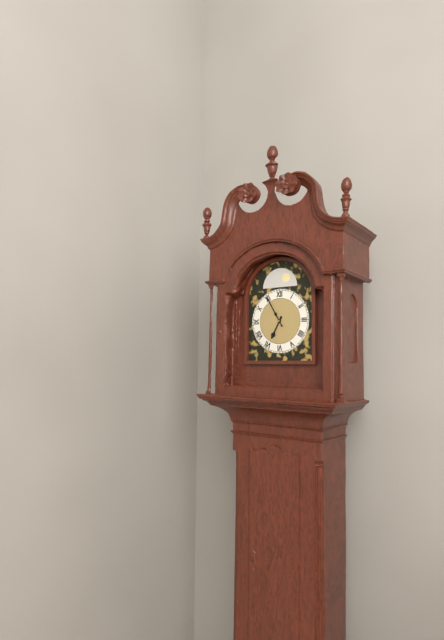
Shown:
**6:55**
